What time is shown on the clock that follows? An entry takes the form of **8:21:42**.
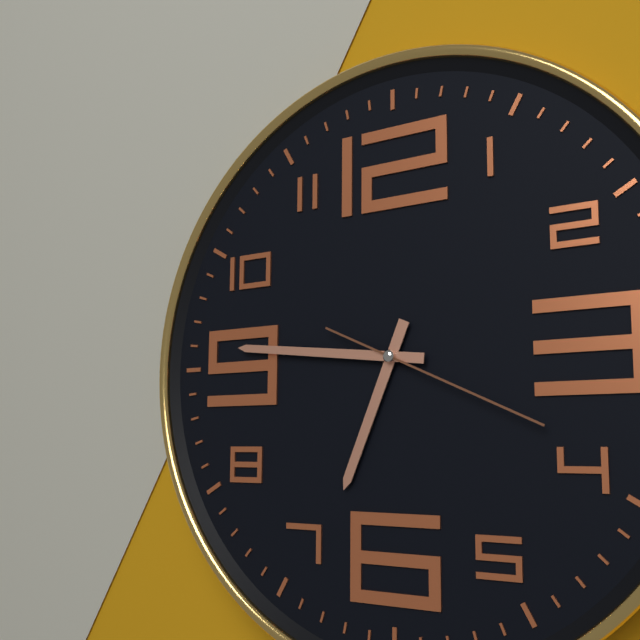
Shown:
**6:46:19**
